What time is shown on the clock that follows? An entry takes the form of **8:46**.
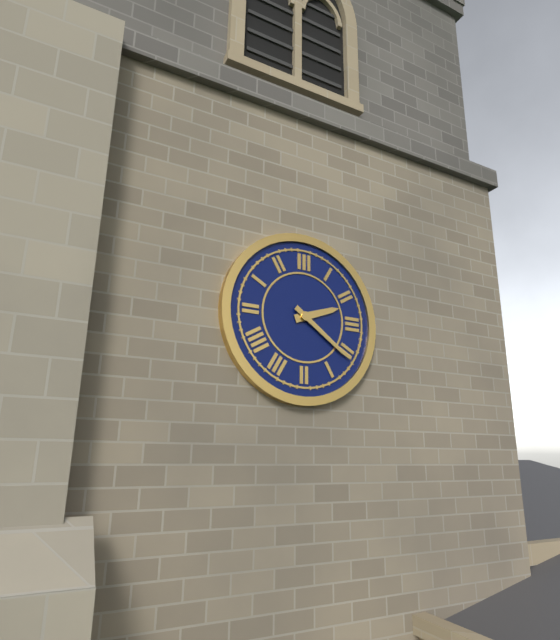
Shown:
**2:21**
